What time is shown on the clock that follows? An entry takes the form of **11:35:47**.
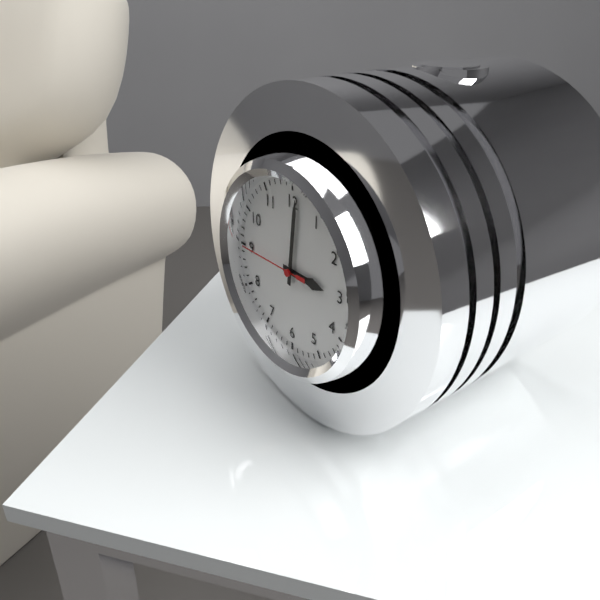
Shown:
**3:01:45**
